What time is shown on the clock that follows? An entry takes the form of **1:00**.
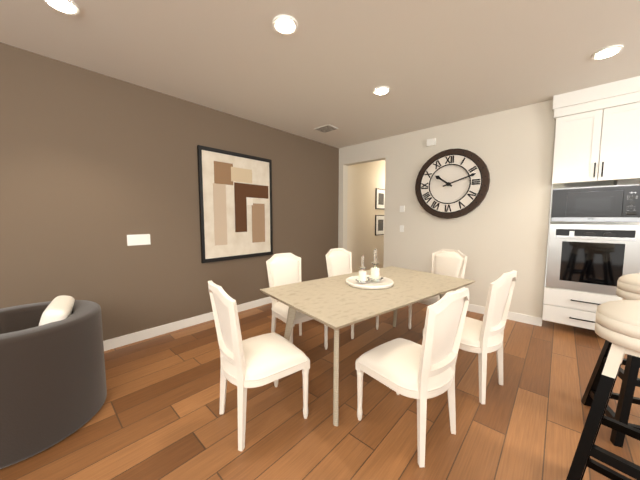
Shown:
**10:12**
